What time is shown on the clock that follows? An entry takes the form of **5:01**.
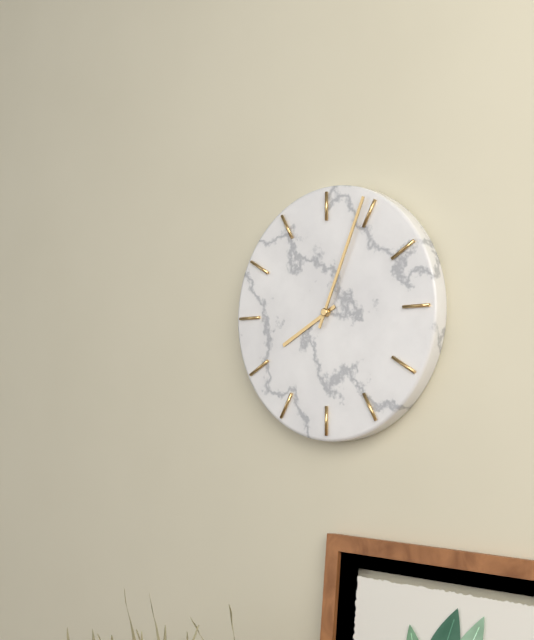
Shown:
**8:04**
